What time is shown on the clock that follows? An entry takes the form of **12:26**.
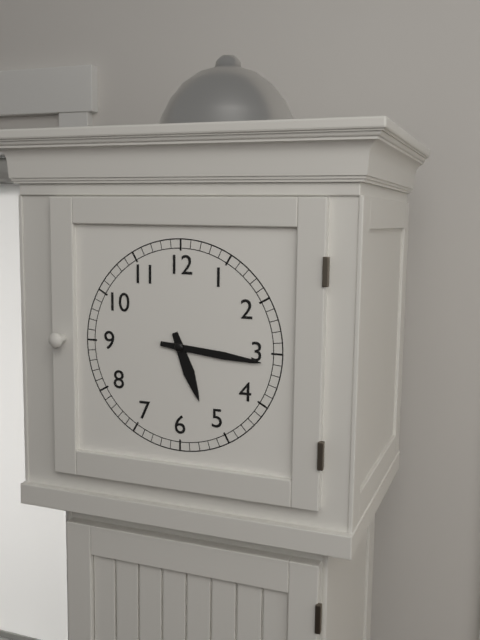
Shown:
**5:16**
